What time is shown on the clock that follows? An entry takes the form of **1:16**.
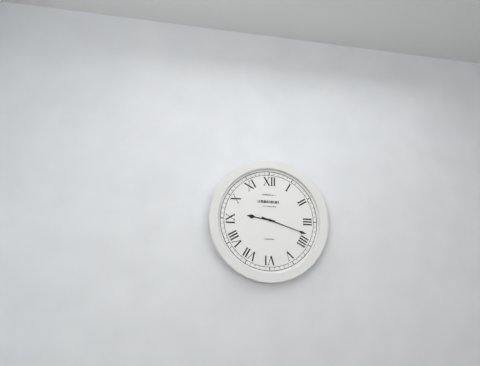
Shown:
**9:18**
